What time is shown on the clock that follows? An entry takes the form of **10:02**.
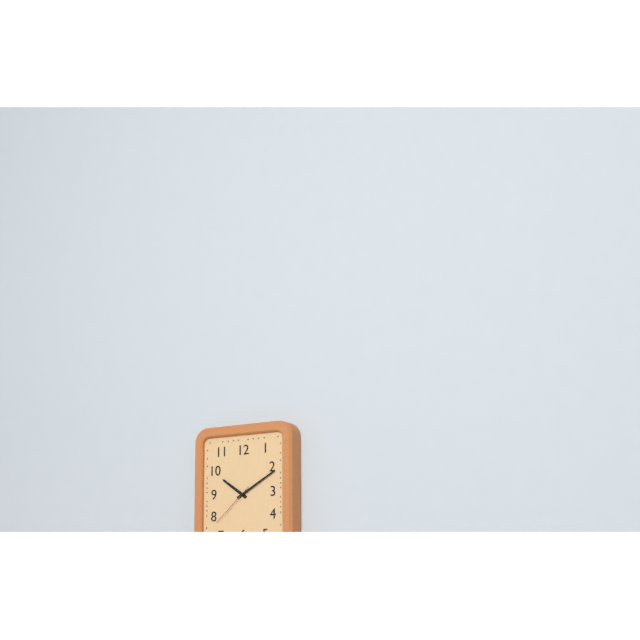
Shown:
**10:10**
